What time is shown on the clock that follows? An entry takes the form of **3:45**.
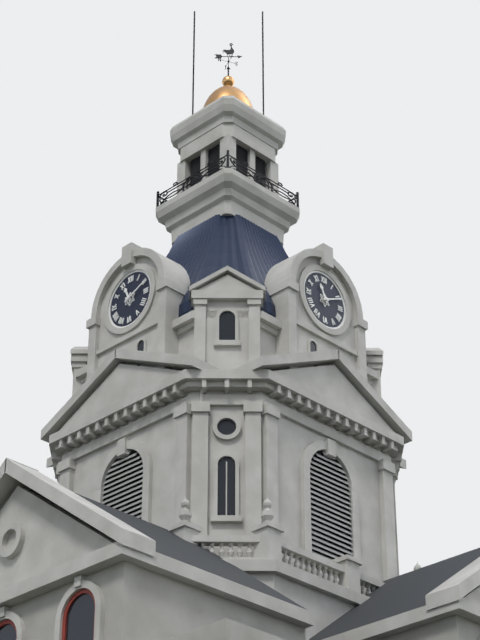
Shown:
**11:11**
